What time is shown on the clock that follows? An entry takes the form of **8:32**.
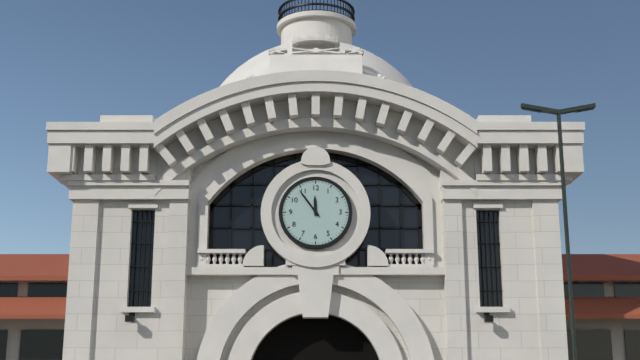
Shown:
**11:54**
